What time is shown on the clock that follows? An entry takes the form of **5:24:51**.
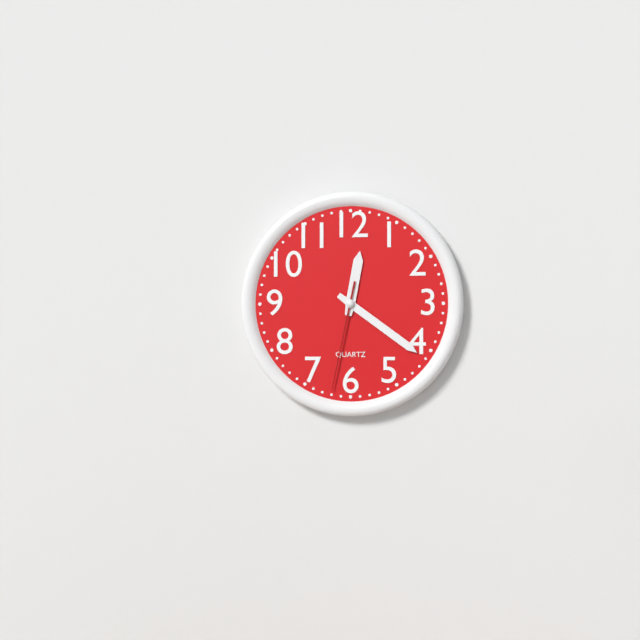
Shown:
**12:21:32**
